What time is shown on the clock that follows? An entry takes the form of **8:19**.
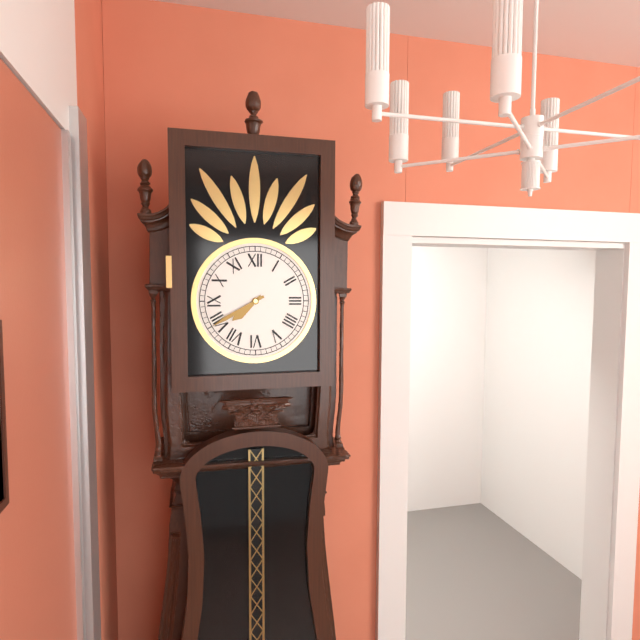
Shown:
**7:40**
